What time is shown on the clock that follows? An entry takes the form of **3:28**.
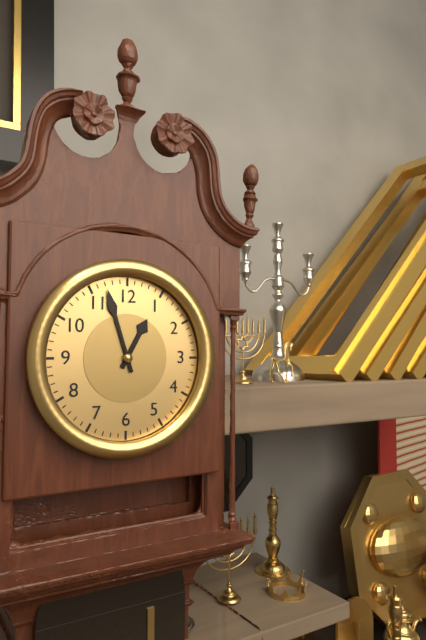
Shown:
**12:57**
